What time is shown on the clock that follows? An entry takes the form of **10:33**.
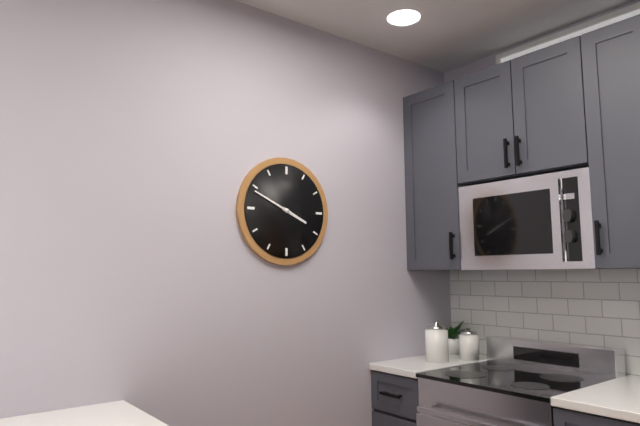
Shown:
**3:49**
